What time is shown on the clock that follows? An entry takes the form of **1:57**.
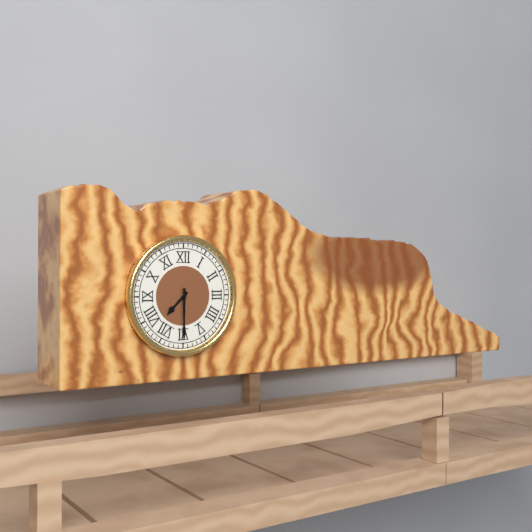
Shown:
**7:30**
